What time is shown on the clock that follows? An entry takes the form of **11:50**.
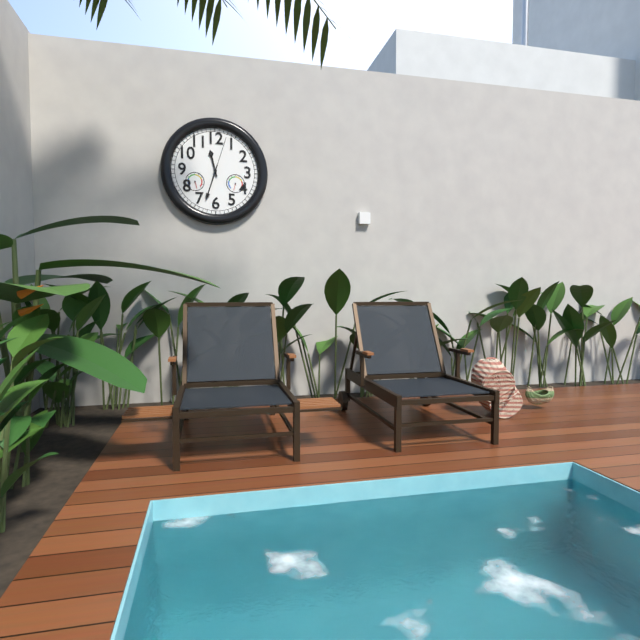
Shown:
**11:33**
